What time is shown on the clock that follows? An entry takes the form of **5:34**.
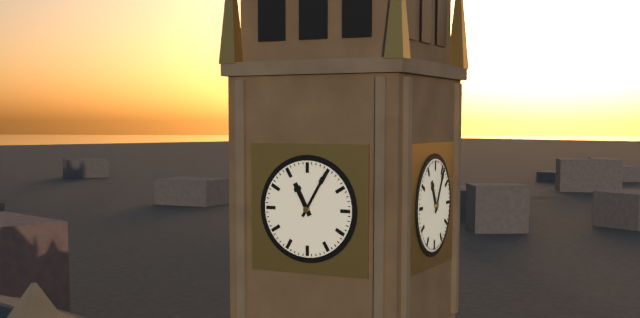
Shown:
**11:05**
